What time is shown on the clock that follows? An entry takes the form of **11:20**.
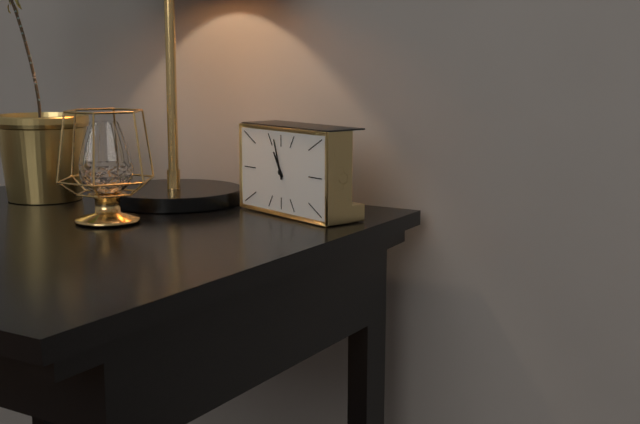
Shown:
**10:57**
